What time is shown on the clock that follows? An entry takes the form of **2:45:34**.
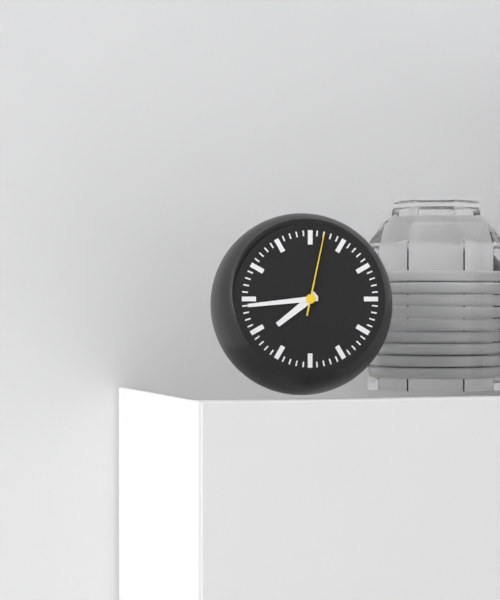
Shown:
**7:44:02**
